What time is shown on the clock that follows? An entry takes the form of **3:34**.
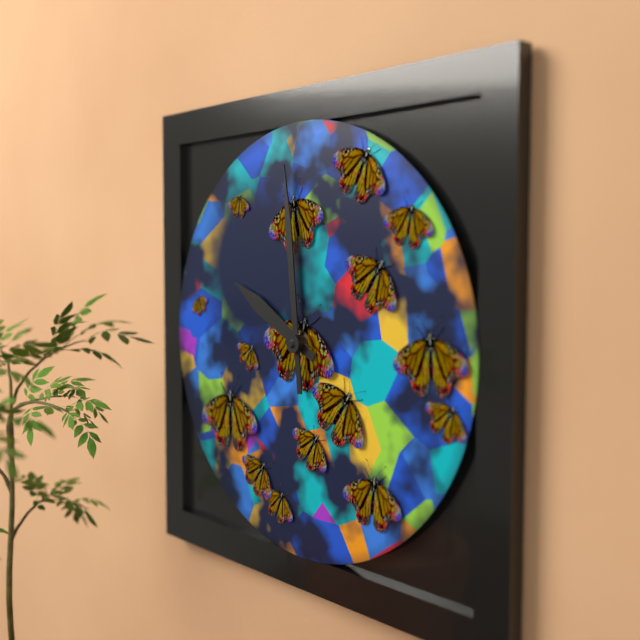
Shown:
**9:59**
